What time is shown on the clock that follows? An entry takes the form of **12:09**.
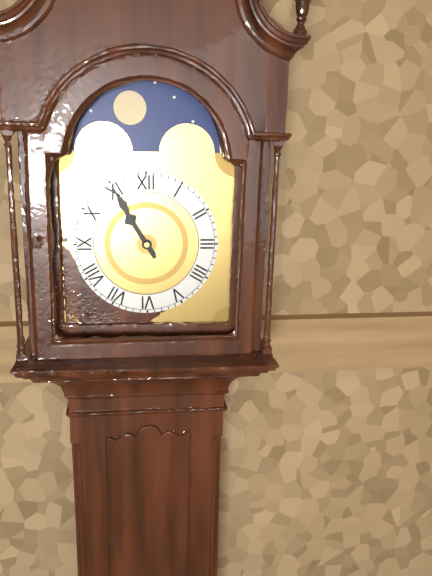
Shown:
**10:55**
